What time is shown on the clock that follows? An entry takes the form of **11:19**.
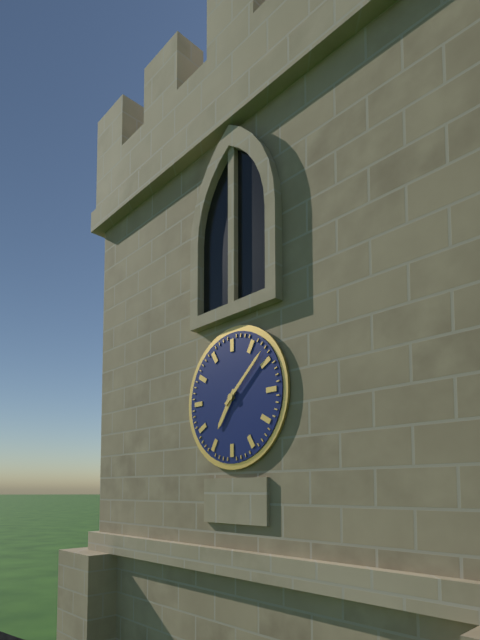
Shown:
**7:08**
